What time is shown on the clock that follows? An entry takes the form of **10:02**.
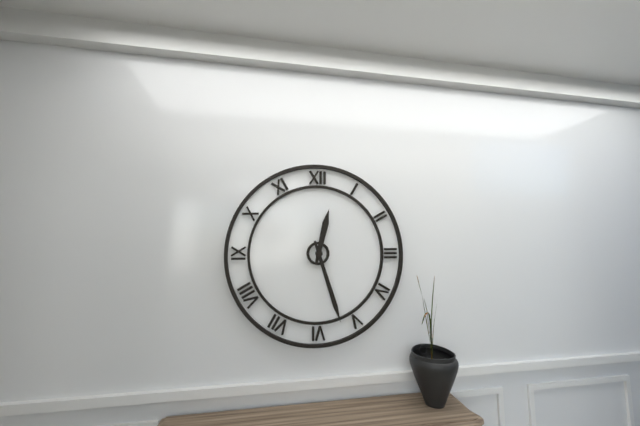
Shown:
**12:27**
